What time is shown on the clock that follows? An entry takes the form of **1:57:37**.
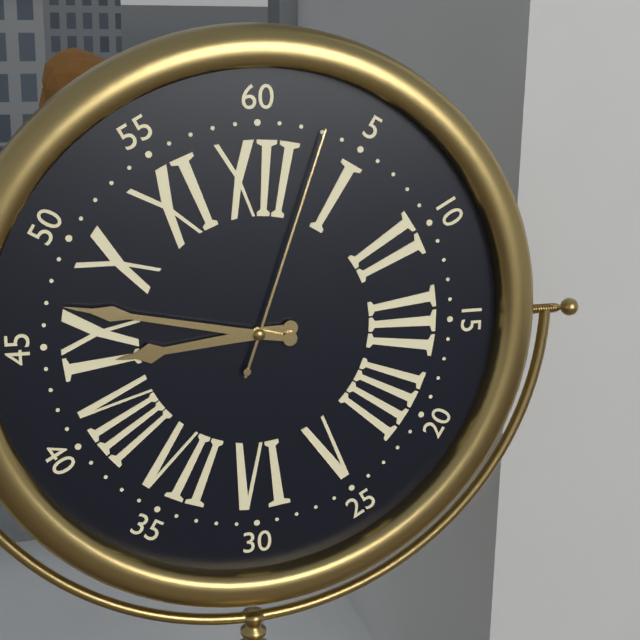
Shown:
**8:47:03**
